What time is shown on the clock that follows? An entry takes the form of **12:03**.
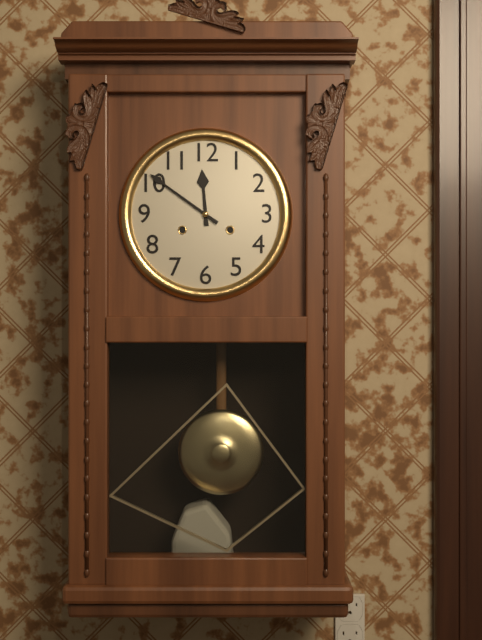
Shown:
**11:51**
